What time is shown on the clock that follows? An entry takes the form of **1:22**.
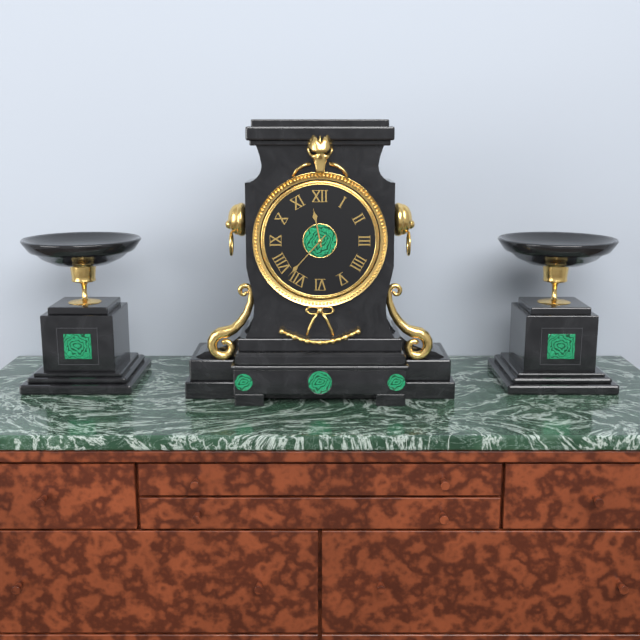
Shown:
**11:37**
